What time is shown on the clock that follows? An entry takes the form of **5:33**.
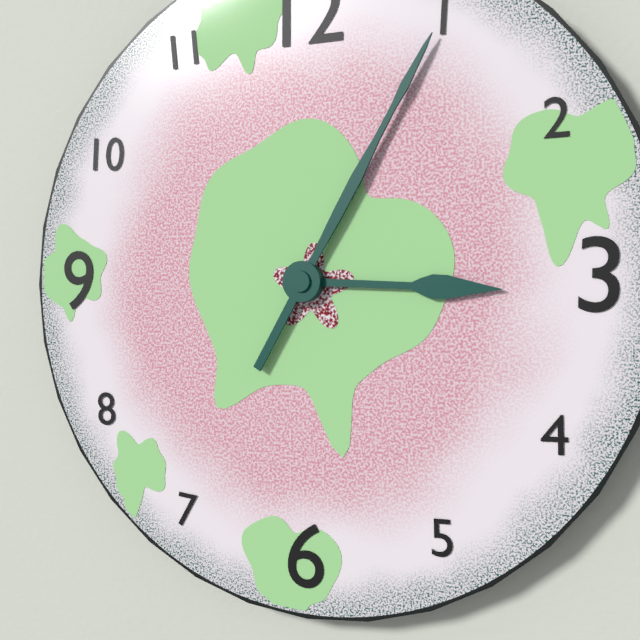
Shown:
**3:05**
